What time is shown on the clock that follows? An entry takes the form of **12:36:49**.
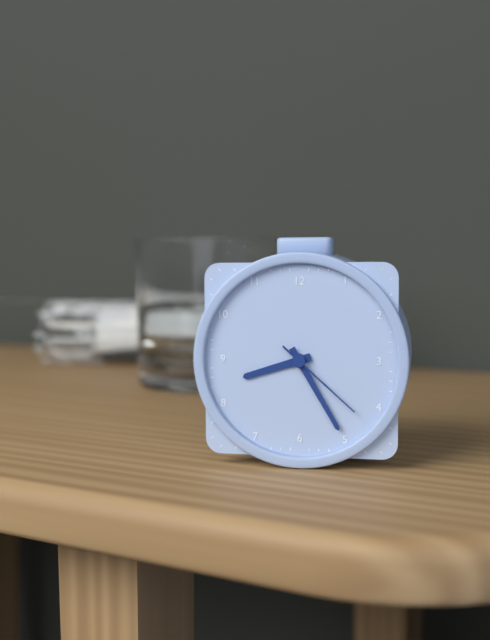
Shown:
**8:25:22**
